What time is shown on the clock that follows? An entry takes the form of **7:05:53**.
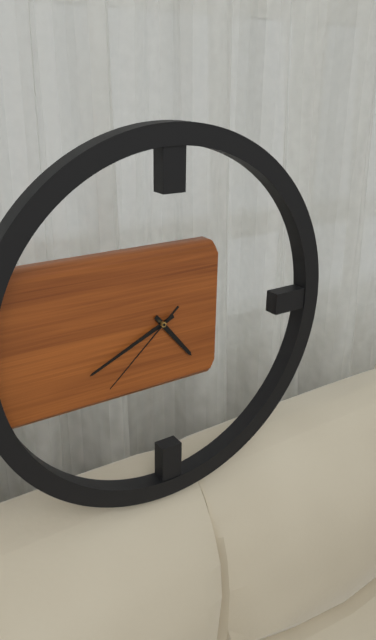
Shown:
**4:41:38**
